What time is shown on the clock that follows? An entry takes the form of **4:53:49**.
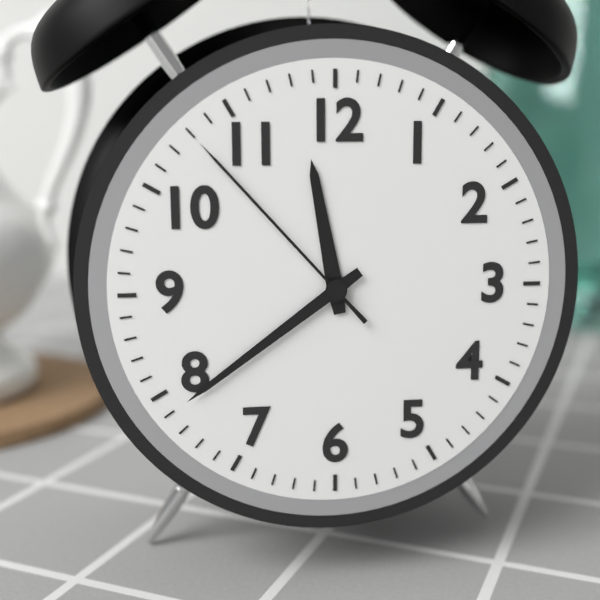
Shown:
**11:39:53**
